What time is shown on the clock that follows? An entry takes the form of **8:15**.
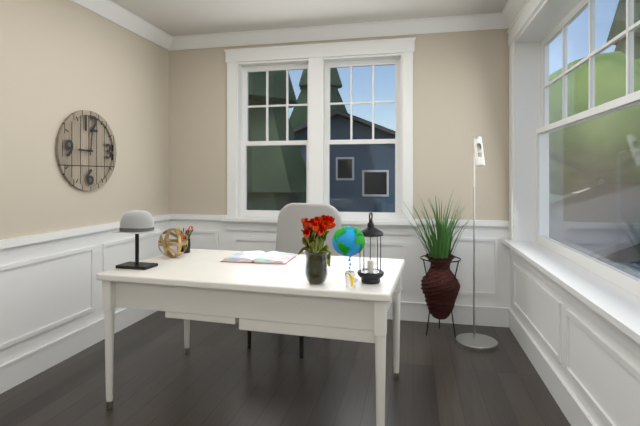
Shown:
**9:01**
